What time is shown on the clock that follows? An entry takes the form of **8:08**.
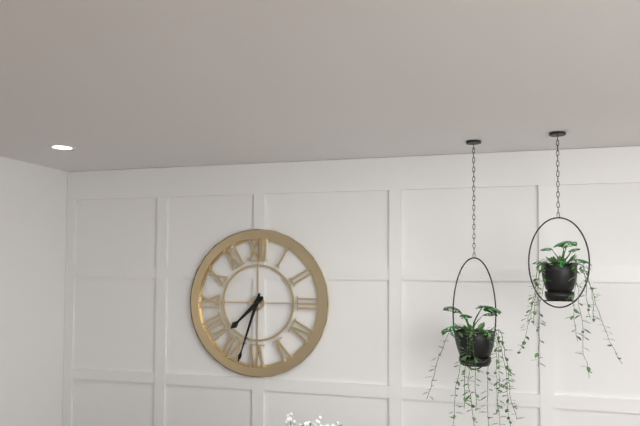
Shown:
**7:33**
